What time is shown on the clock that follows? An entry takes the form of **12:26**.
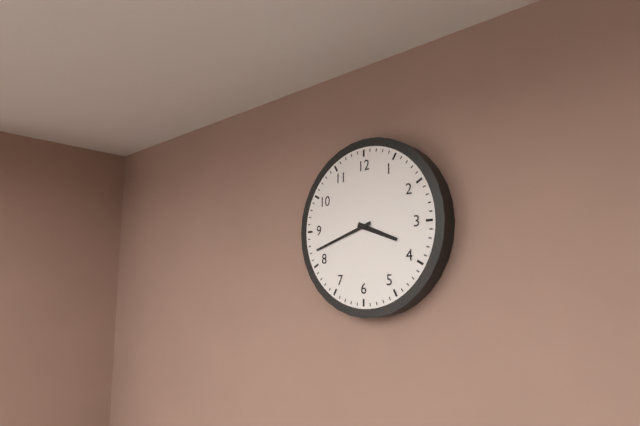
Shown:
**3:42**
